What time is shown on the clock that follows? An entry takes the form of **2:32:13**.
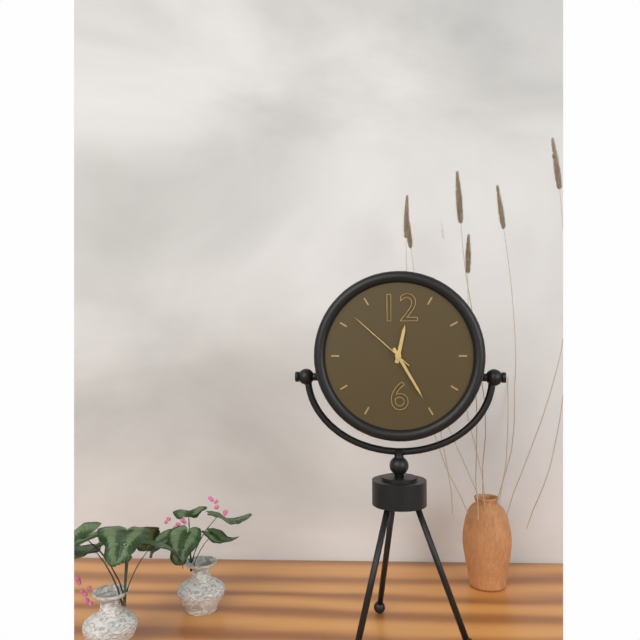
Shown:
**12:25:52**
